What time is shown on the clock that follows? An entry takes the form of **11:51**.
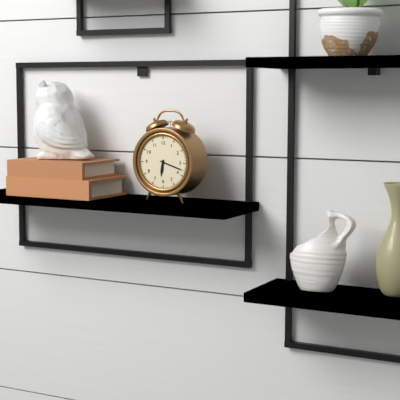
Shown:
**6:18**
